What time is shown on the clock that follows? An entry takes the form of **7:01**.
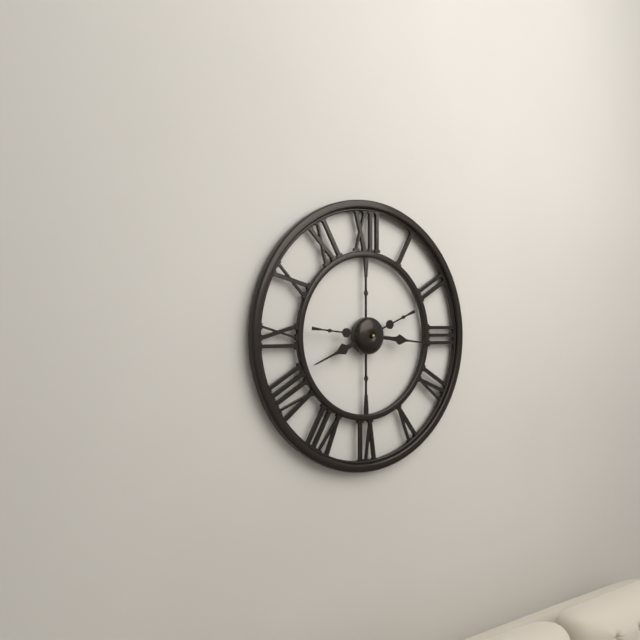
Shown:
**8:16**
